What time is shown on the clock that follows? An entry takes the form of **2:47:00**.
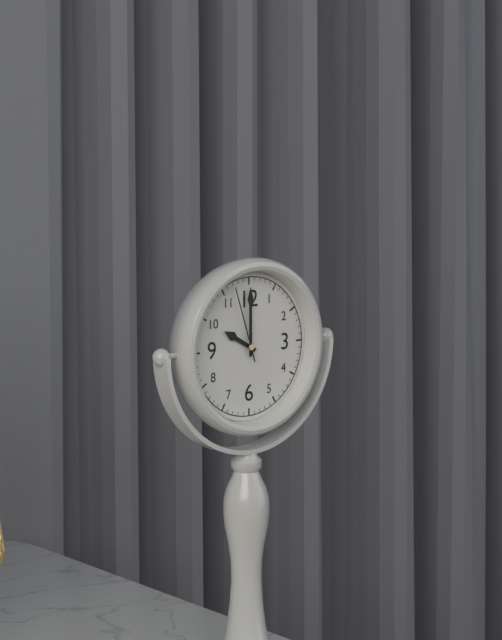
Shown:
**10:00:57**
